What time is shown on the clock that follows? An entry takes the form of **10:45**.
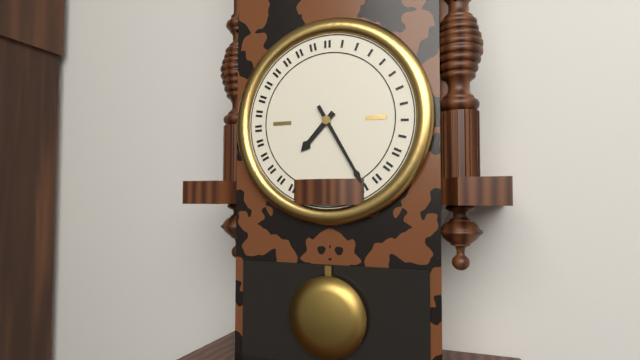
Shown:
**7:25**
